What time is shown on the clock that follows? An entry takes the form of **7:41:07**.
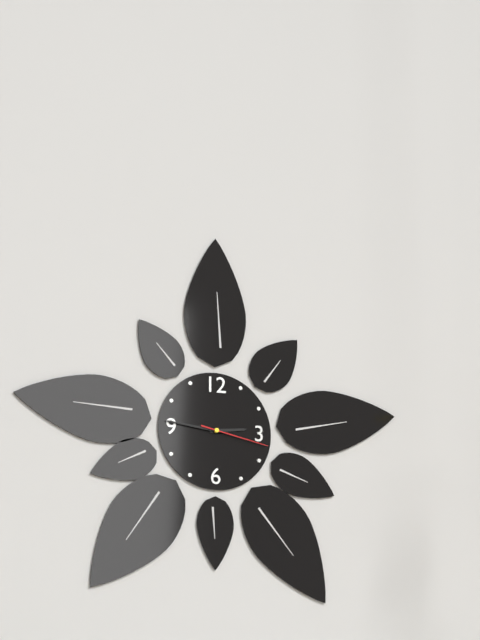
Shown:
**2:46:17**
